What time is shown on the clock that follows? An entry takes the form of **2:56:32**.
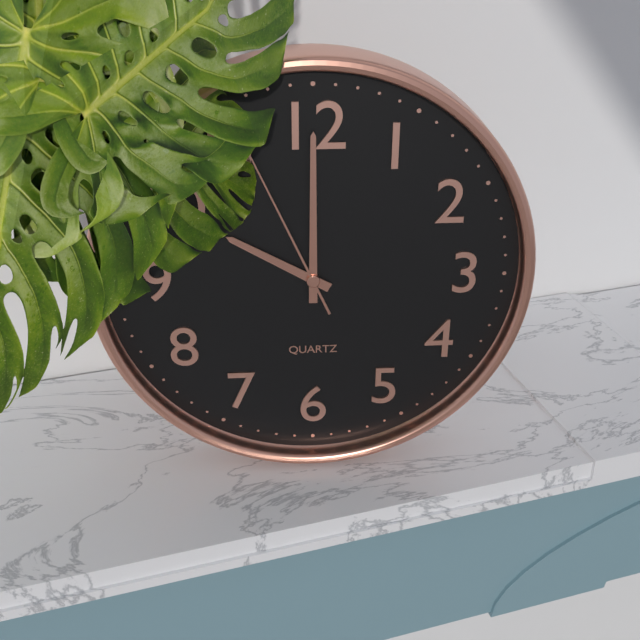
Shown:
**10:00:56**
